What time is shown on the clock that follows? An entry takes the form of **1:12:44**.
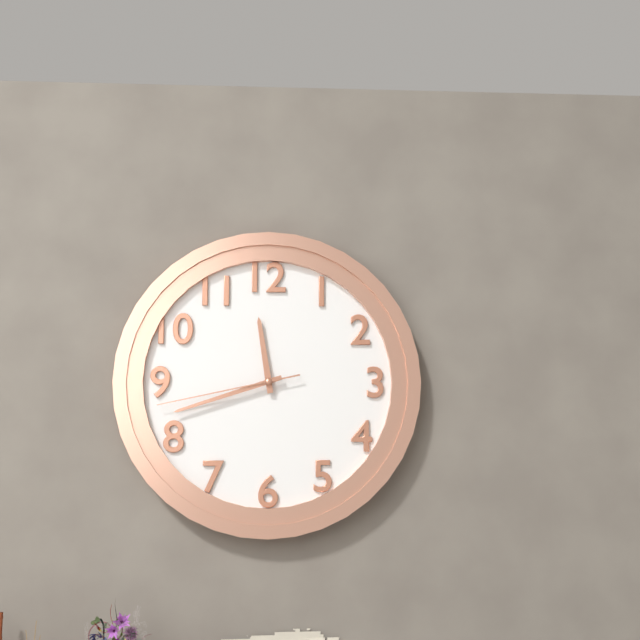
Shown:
**11:42:43**
